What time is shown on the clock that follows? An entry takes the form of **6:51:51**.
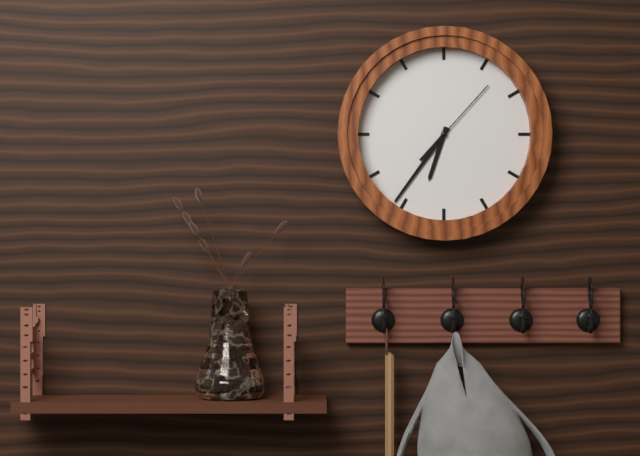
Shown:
**6:36:07**
